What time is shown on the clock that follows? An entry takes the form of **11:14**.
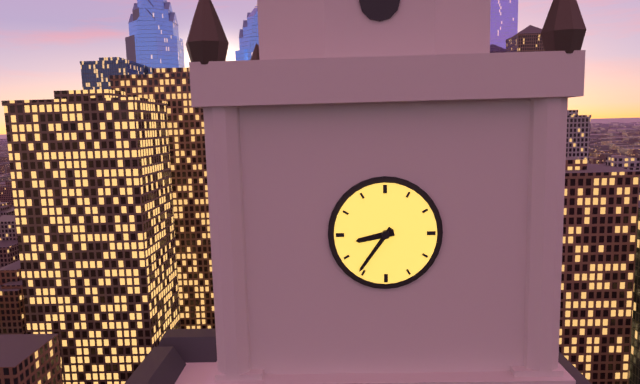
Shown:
**8:36**
